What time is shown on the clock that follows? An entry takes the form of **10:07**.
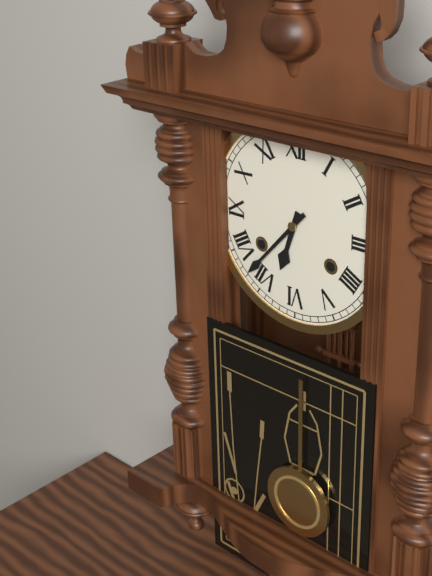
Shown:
**6:37**
